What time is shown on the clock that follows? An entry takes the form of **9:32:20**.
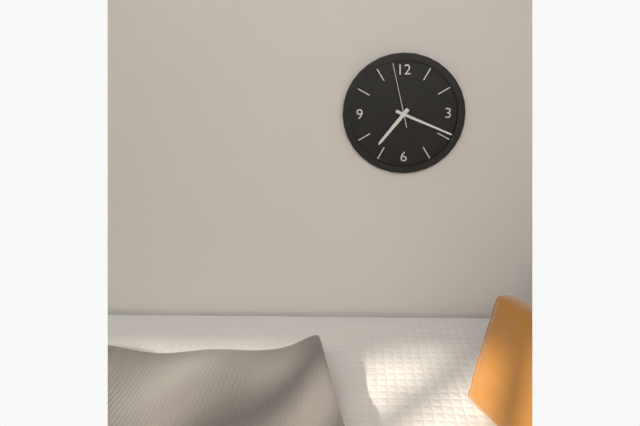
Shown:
**7:19:58**
